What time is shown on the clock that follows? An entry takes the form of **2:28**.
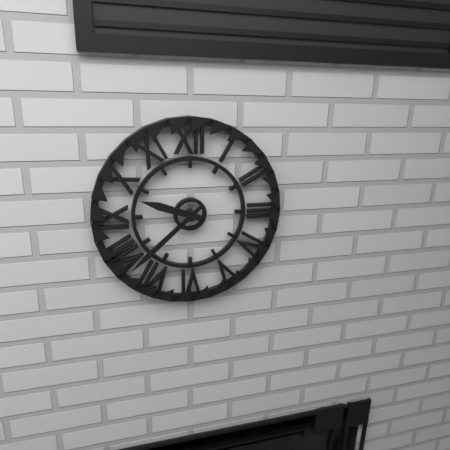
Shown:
**9:38**
